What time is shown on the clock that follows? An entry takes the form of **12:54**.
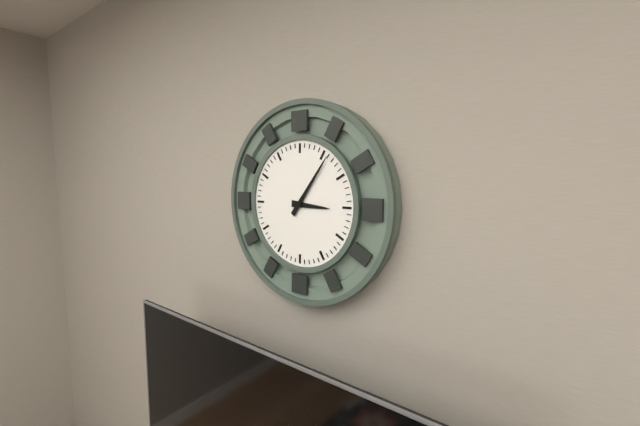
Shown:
**3:06**
